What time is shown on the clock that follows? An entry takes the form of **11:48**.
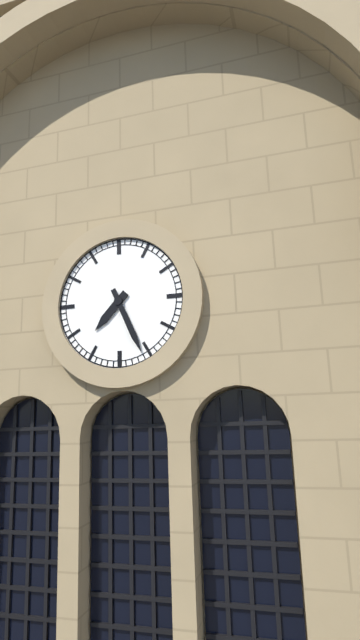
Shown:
**7:26**
